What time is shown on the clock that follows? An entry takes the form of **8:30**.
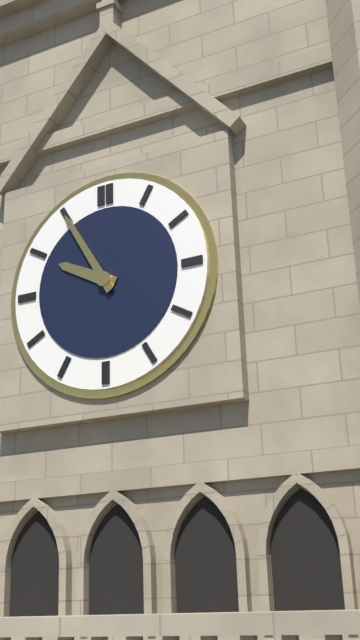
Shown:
**9:55**
